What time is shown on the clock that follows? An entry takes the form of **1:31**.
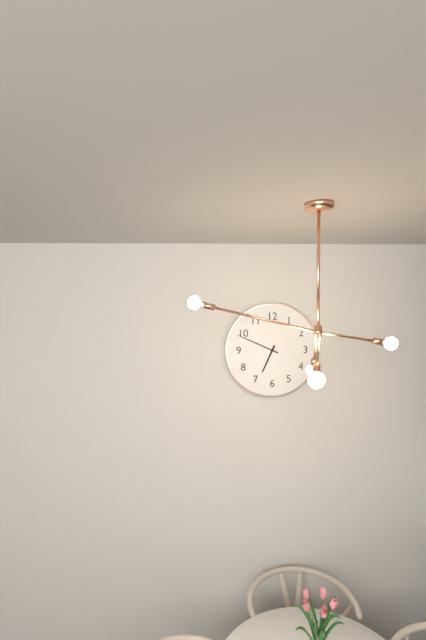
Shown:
**6:49**
